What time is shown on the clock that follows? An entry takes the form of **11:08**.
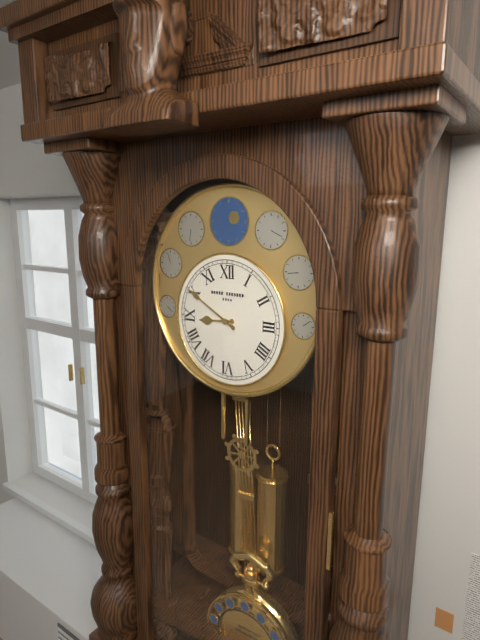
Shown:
**8:50**
